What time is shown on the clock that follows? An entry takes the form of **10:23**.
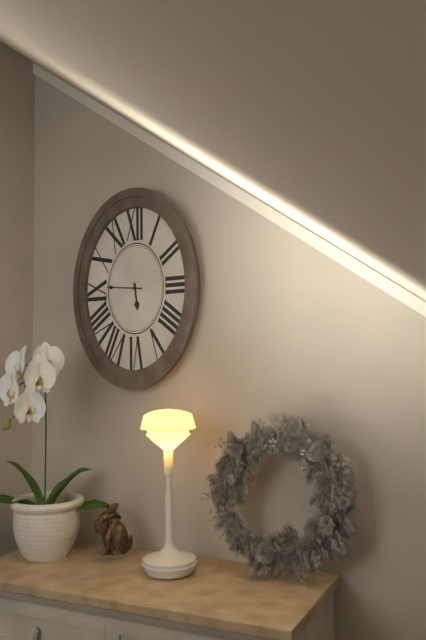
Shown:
**5:46**
